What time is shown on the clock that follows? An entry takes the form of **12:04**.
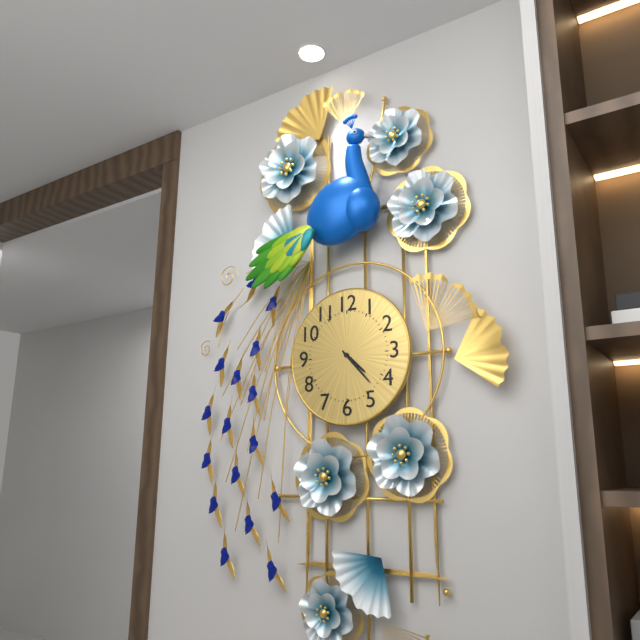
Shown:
**4:23**
